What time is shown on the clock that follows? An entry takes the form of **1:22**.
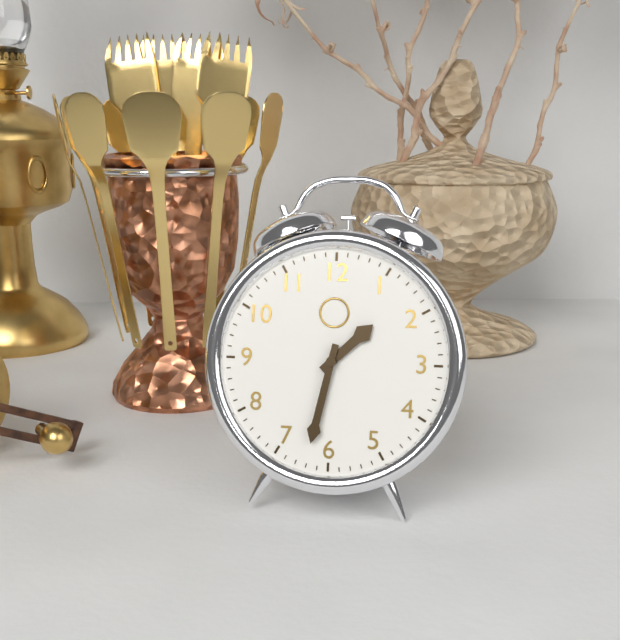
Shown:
**1:32**
